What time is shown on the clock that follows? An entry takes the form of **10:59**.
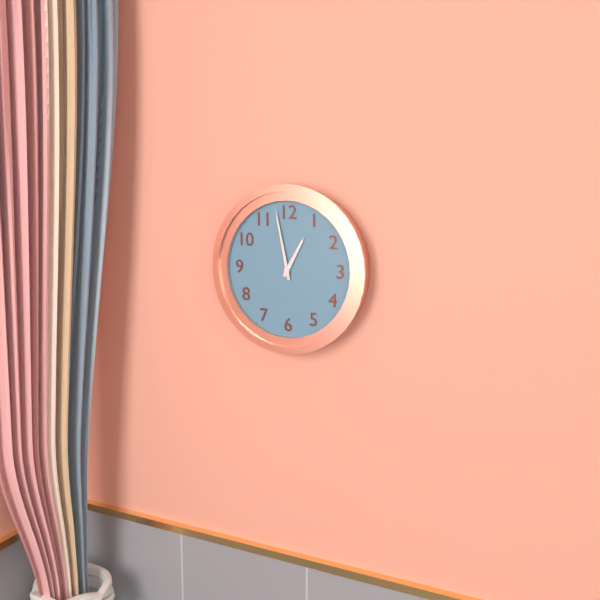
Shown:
**12:58**
